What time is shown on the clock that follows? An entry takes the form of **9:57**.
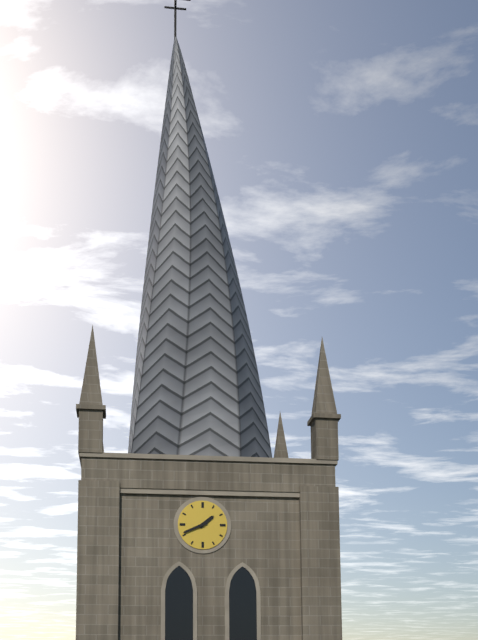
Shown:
**1:41**
